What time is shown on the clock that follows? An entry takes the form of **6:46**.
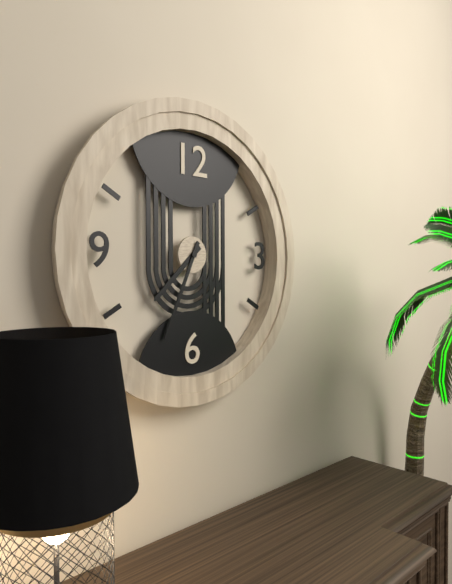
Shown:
**7:34**
